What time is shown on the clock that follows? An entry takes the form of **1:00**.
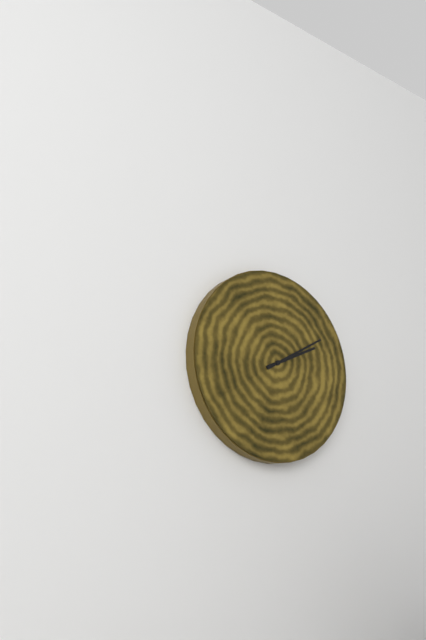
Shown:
**2:10**
